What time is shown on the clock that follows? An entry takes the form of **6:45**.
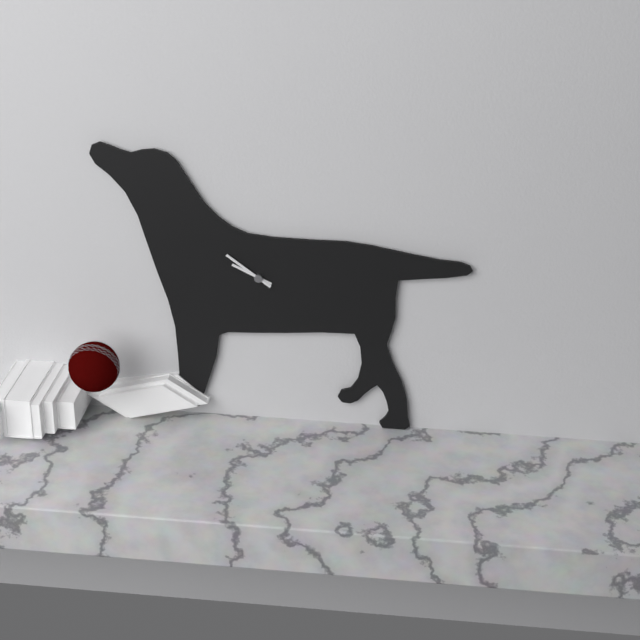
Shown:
**9:51**
